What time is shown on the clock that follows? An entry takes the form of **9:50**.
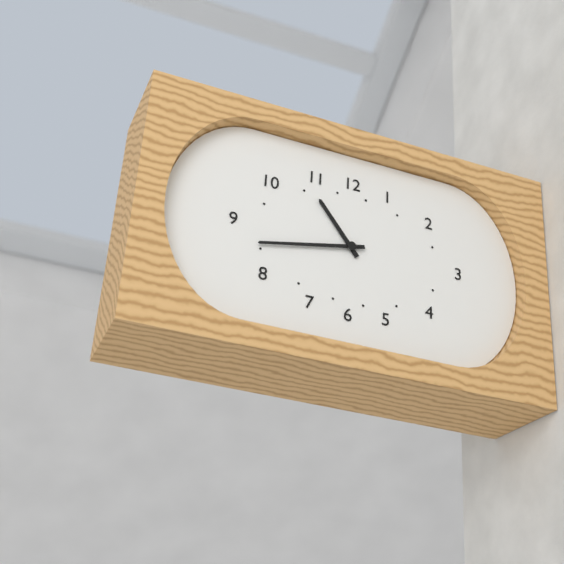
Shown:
**10:43**
